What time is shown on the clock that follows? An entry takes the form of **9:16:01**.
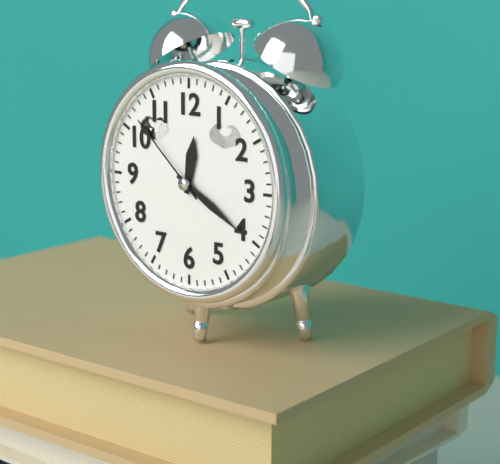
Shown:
**12:20:52**
